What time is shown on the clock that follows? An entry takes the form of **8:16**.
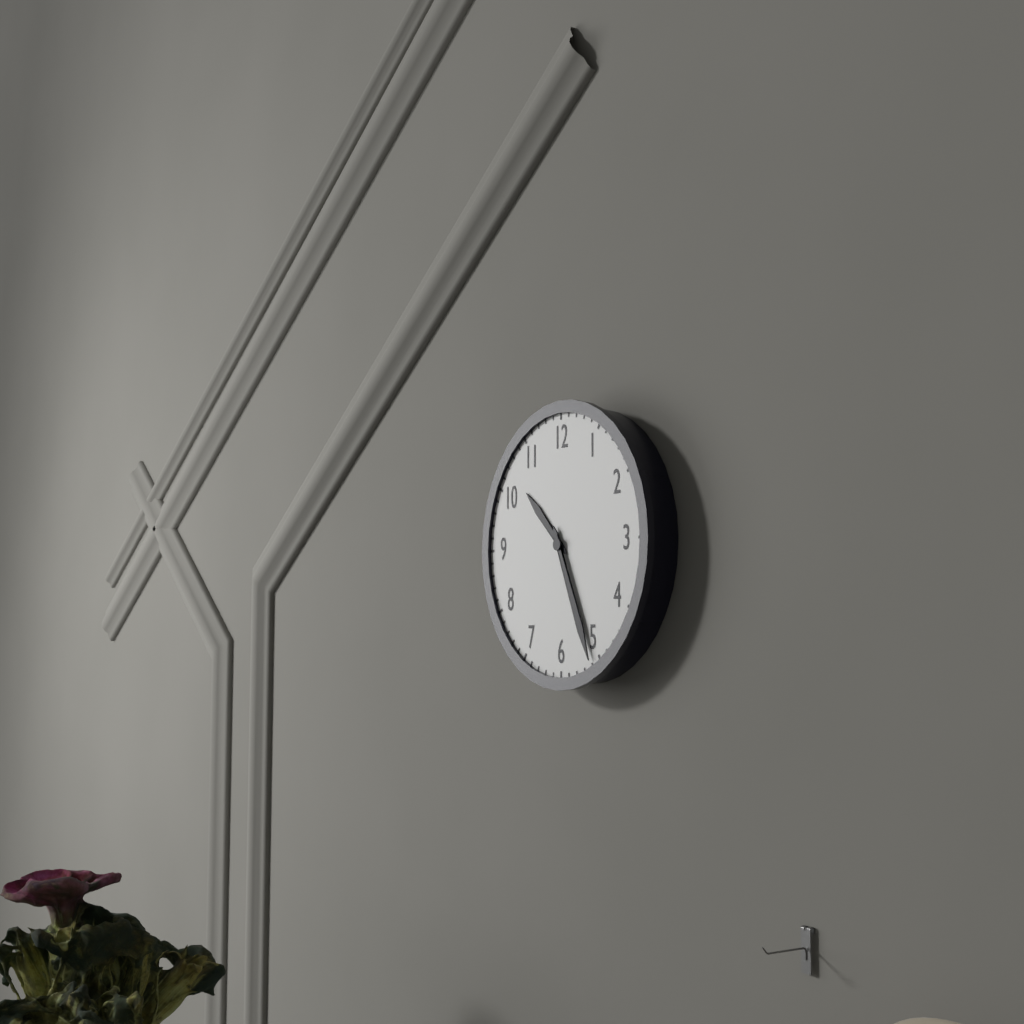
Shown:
**10:26**
